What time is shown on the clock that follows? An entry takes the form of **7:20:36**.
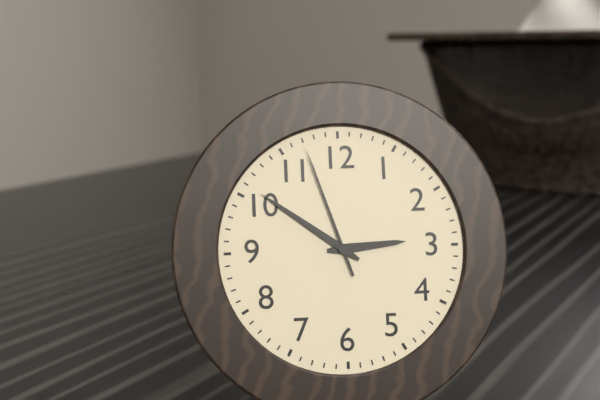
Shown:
**2:51:57**
